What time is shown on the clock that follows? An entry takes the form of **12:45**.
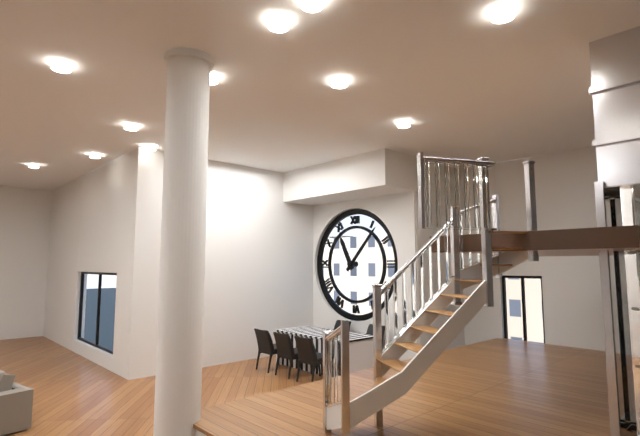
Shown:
**11:07**
